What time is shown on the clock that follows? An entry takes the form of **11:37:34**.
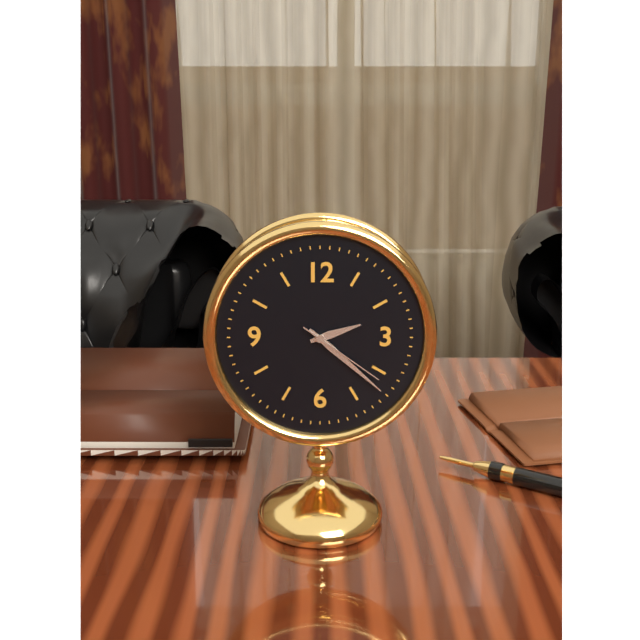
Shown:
**2:22:21**
